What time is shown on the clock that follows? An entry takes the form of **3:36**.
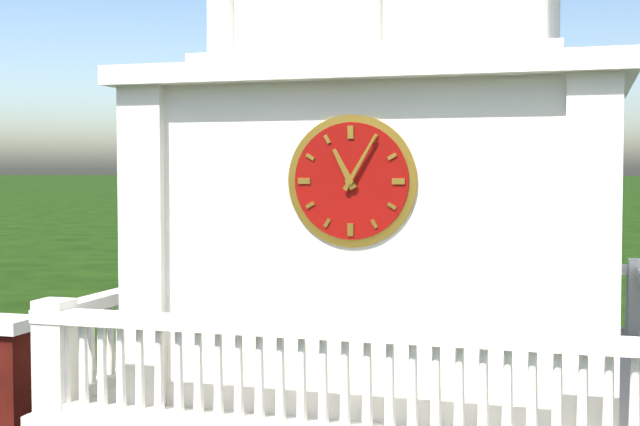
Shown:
**11:05**
